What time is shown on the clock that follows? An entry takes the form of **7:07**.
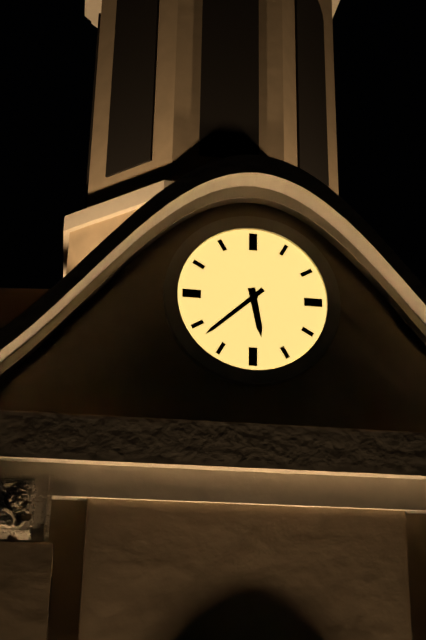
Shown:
**5:38**
